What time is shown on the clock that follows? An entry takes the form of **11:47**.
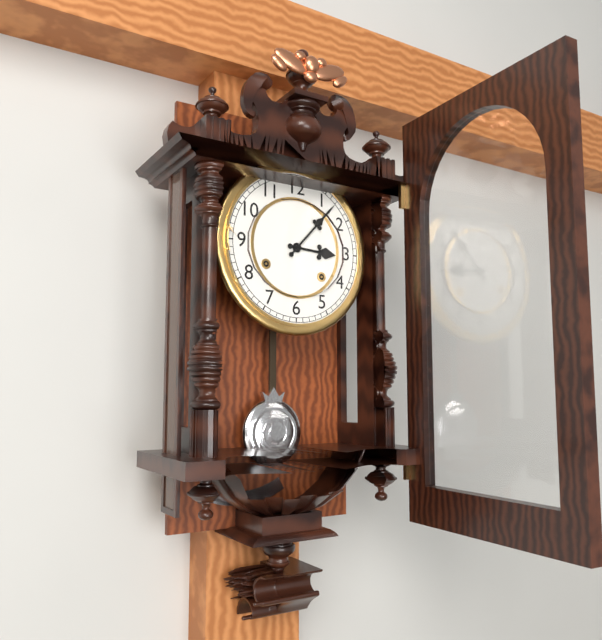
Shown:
**3:07**
